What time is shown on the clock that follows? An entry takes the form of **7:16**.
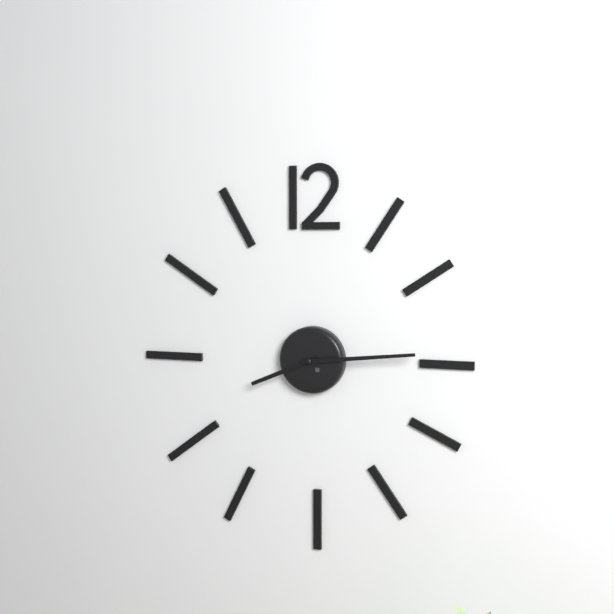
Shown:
**8:14**
